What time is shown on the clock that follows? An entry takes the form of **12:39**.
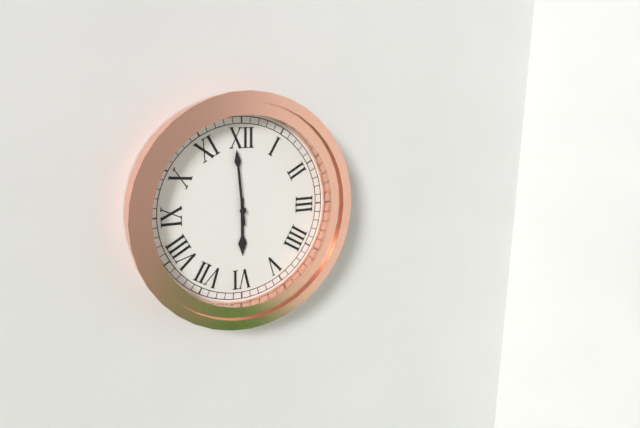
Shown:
**5:59**
